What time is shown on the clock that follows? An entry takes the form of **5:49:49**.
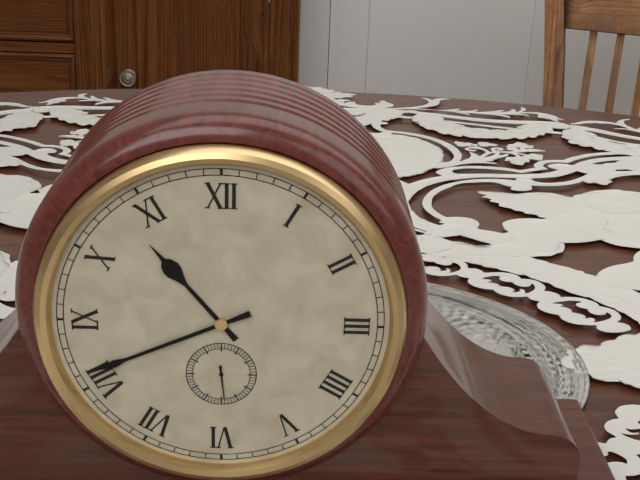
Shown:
**10:41:29**
